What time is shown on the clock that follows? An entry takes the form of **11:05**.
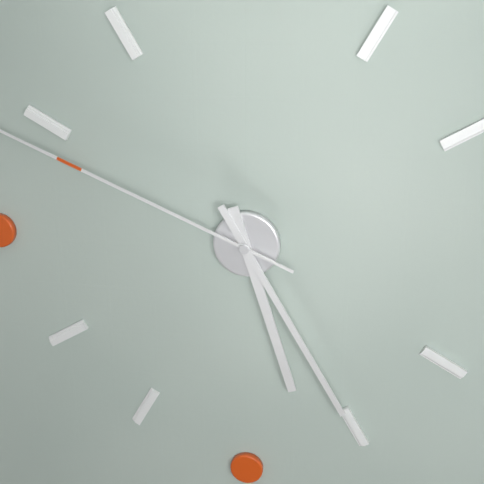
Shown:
**5:25**
